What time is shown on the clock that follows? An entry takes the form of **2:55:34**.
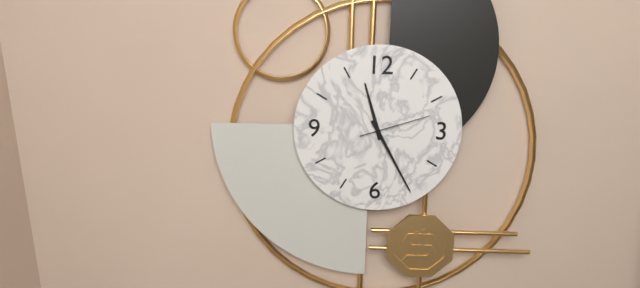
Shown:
**11:25:12**
